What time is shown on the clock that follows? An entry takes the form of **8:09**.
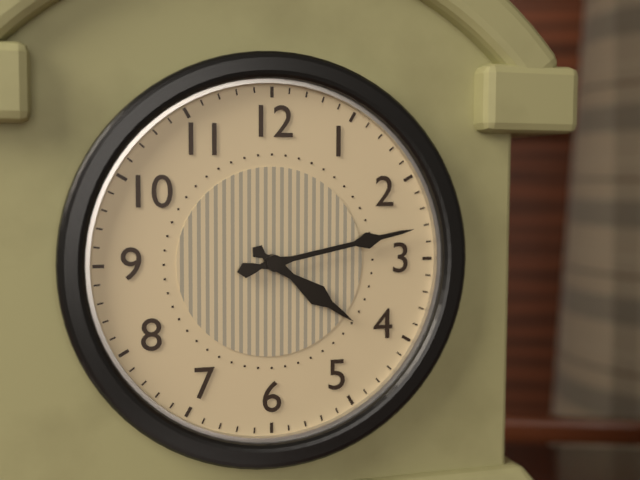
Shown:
**4:13**
